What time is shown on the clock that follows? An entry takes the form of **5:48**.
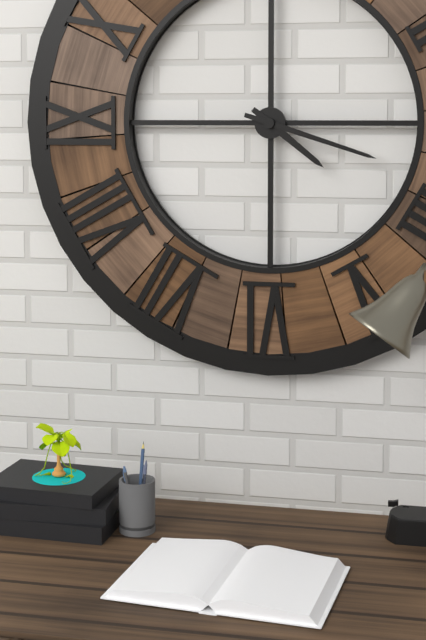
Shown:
**4:18**
